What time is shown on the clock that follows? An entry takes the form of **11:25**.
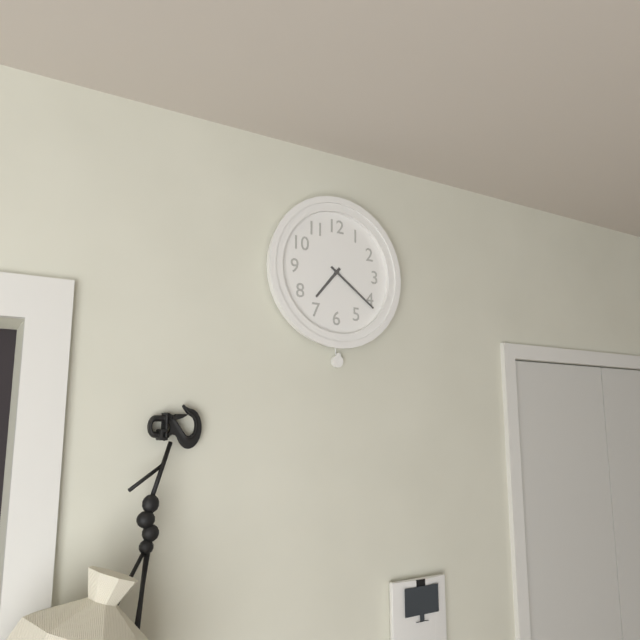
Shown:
**7:21**
